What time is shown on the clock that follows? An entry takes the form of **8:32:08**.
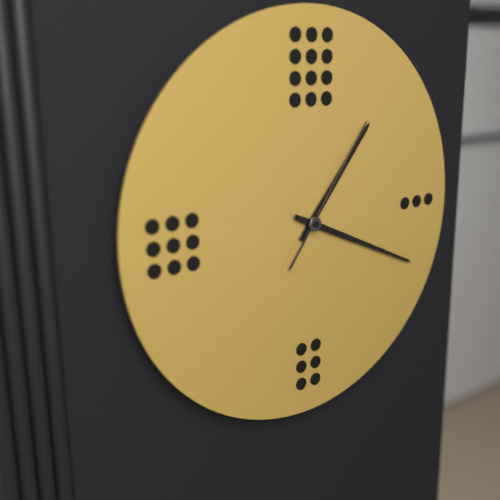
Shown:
**1:19:06**
